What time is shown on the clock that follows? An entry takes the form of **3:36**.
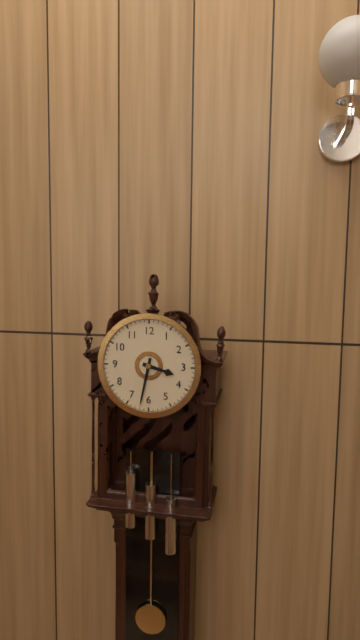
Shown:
**3:32**
